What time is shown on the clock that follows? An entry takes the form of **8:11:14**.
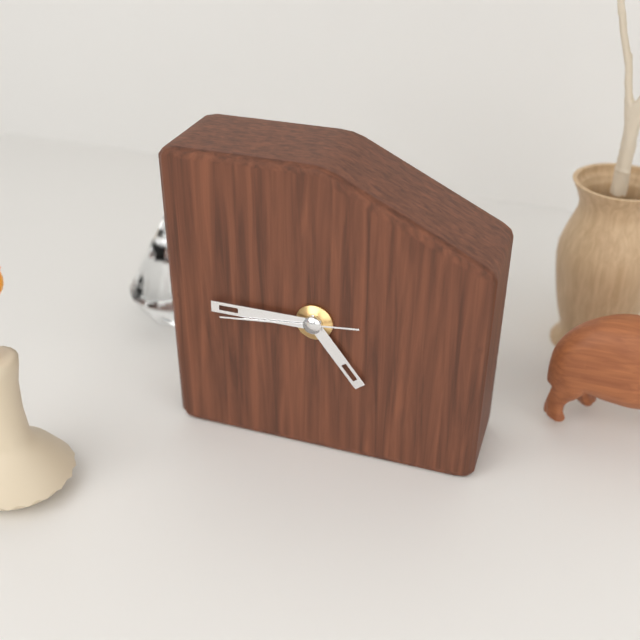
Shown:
**4:45:44**
